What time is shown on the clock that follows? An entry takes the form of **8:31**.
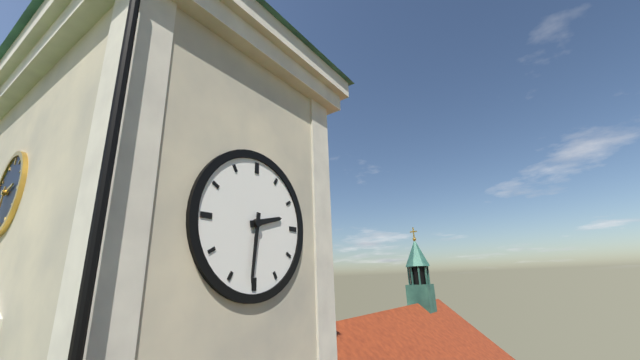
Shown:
**2:31**
